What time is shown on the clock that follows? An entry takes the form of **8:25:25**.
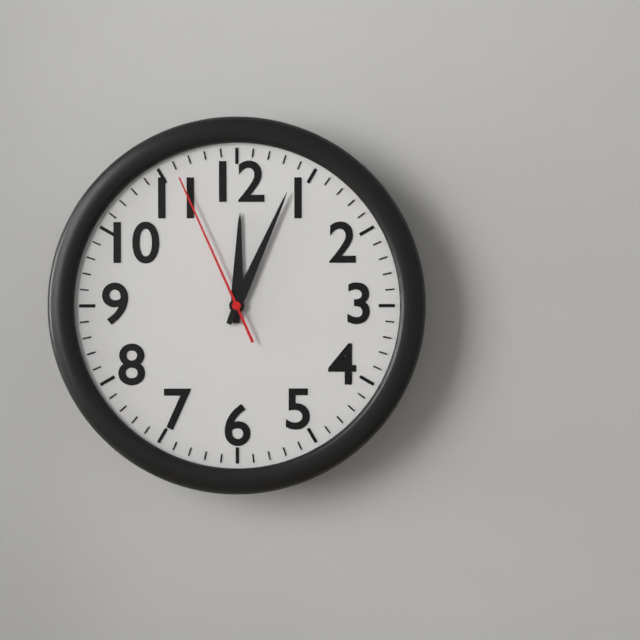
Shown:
**12:04:56**
